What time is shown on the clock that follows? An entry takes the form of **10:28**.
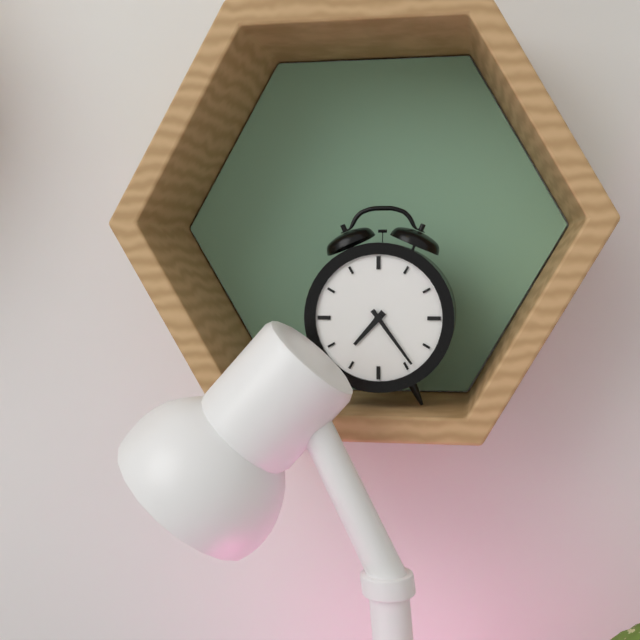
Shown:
**7:24**
